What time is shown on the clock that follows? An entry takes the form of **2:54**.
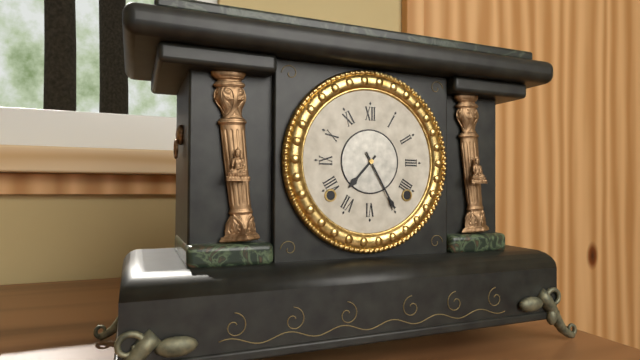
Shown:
**7:25**
